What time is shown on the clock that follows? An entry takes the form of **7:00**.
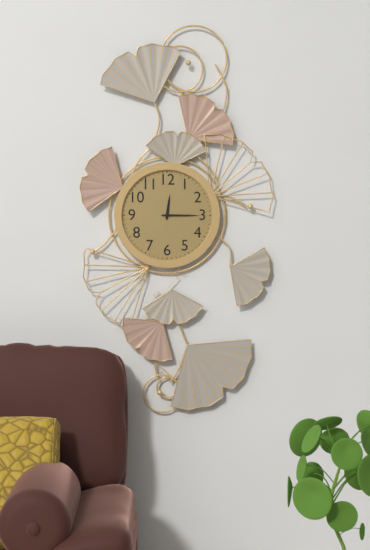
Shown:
**12:15**
